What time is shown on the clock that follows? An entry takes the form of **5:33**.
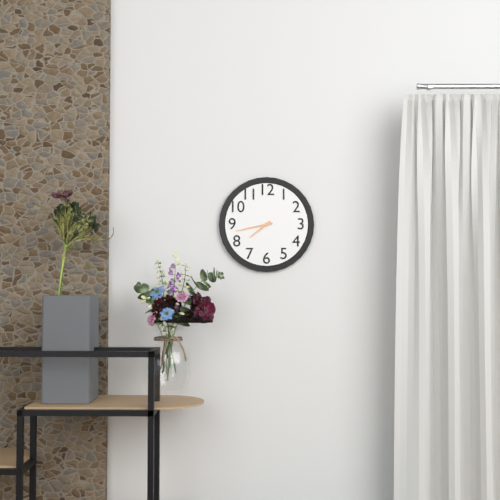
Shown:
**7:43**
